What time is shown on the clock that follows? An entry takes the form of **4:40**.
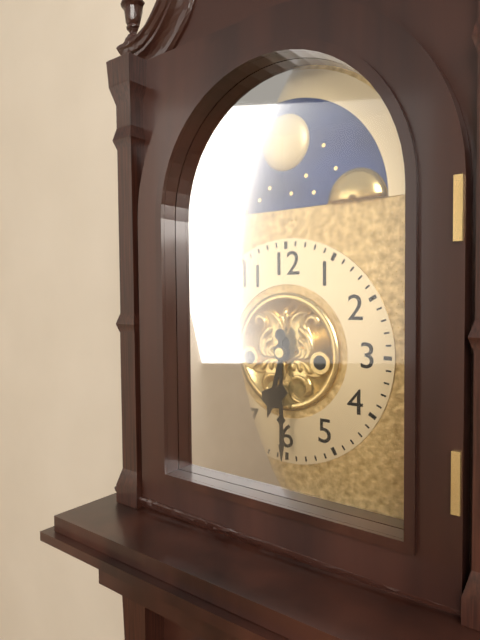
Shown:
**6:30**
